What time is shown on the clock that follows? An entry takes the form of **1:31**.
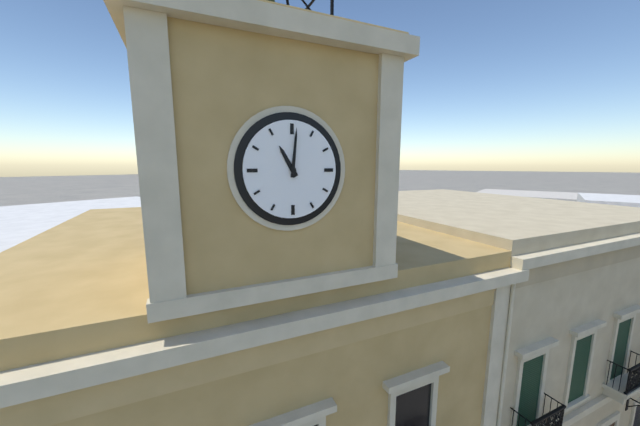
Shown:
**11:01**
